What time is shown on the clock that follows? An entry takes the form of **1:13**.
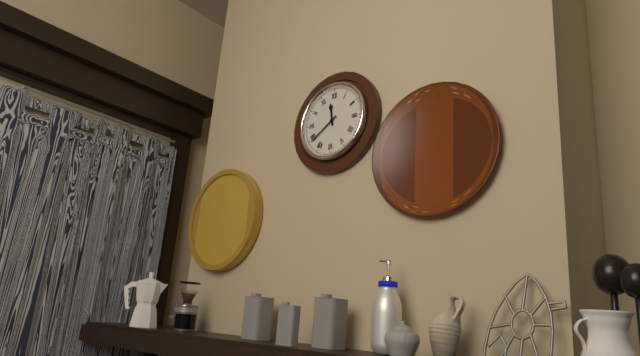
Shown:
**11:39**
